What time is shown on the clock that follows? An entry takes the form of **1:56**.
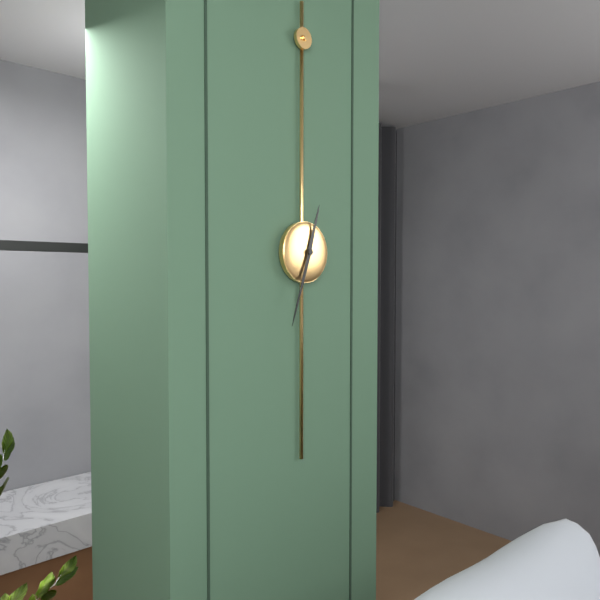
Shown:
**12:33**
